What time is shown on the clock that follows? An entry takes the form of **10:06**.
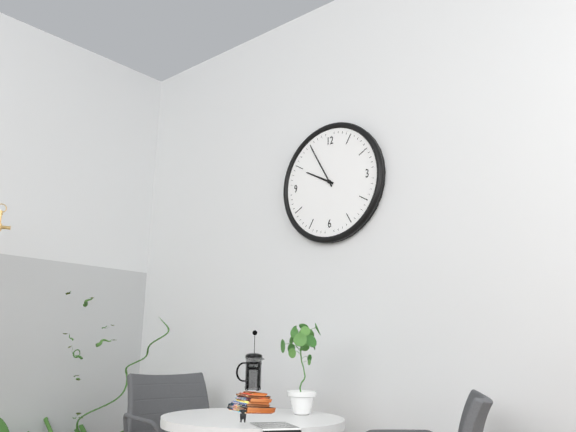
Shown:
**9:55**
